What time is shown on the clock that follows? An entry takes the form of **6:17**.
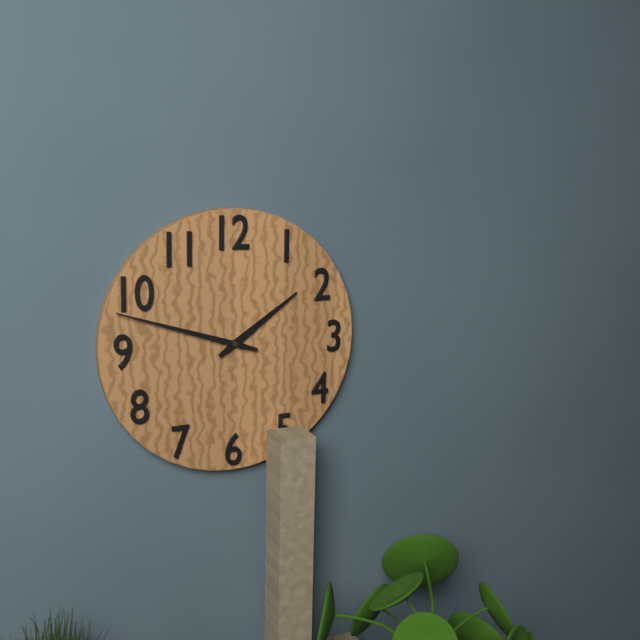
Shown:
**1:48**
